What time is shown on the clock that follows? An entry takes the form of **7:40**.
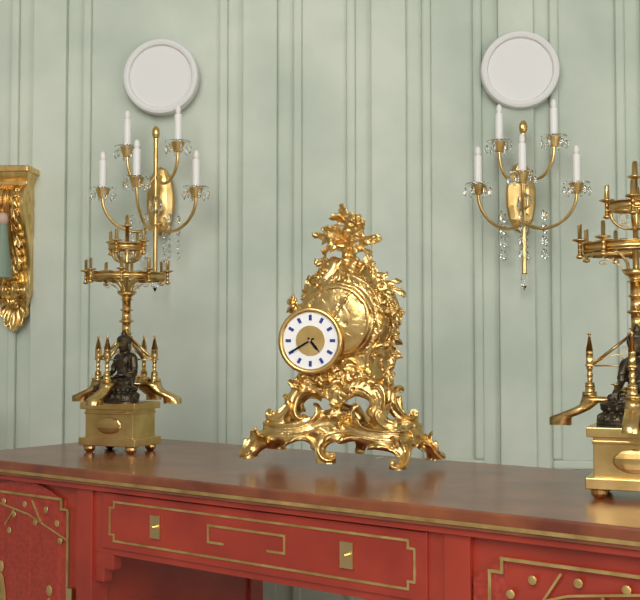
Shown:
**4:40**
